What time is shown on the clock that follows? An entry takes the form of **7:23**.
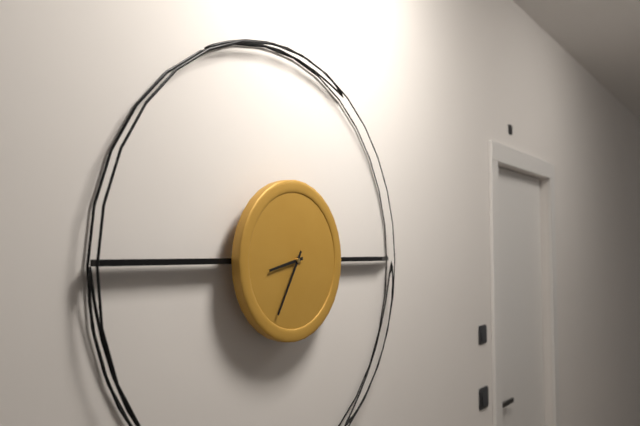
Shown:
**8:35**
